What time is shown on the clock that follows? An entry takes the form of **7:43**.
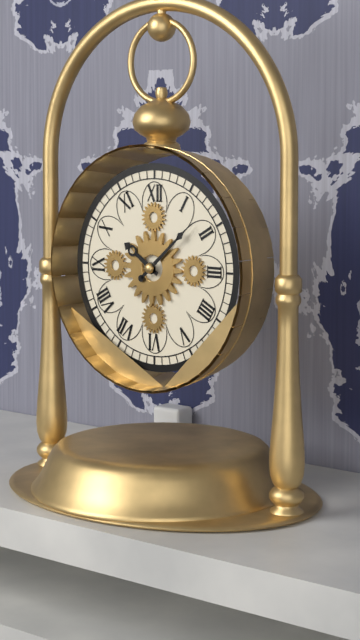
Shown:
**10:08**
